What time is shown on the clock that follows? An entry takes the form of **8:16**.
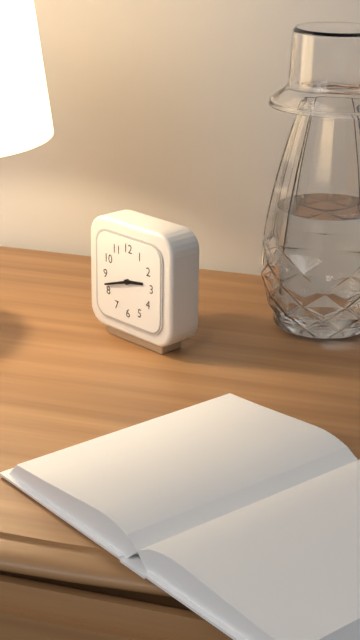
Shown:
**2:42**
